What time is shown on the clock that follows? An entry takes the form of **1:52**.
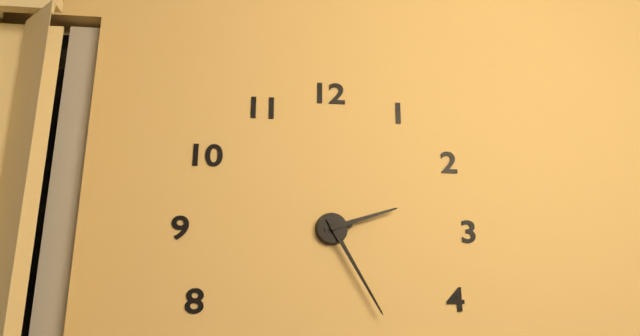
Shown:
**2:25**
